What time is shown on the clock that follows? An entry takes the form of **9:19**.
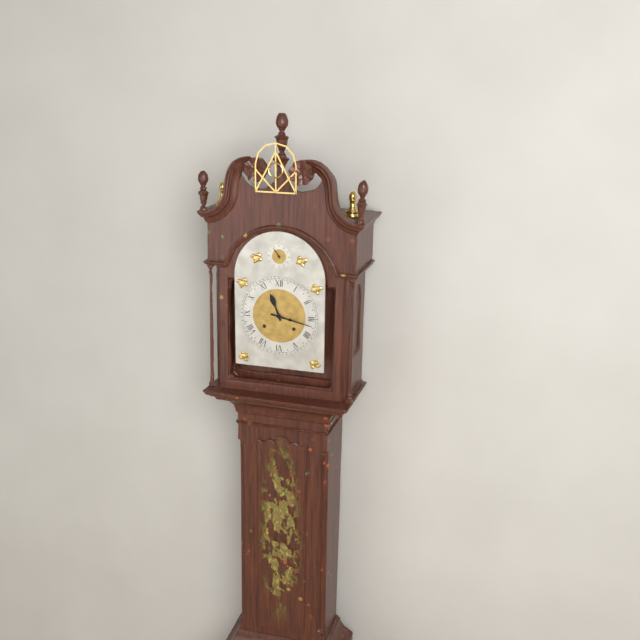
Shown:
**11:17**
